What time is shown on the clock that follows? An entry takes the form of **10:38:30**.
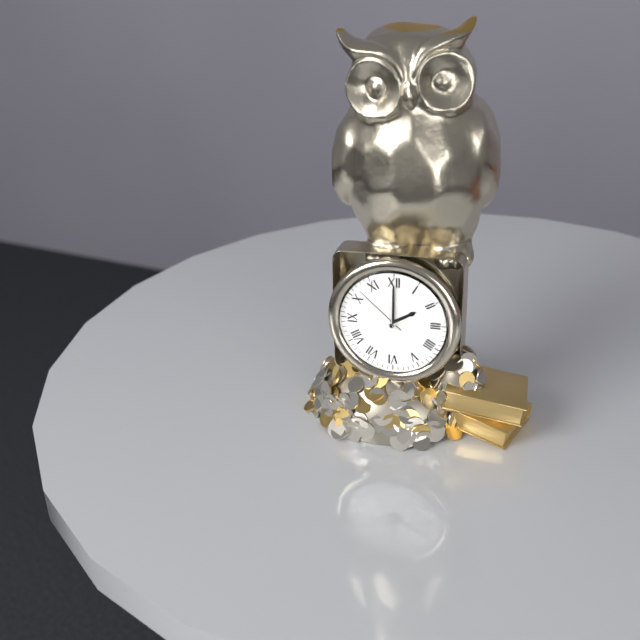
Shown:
**2:00:52**
